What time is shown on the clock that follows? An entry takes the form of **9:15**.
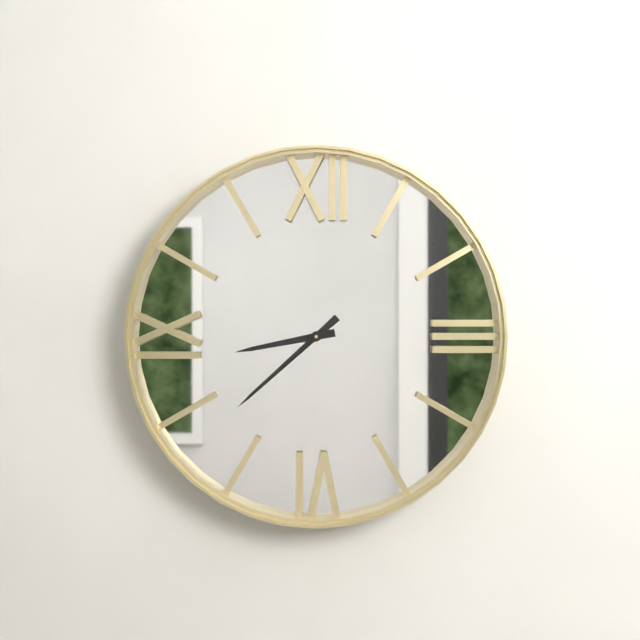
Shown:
**8:38**
